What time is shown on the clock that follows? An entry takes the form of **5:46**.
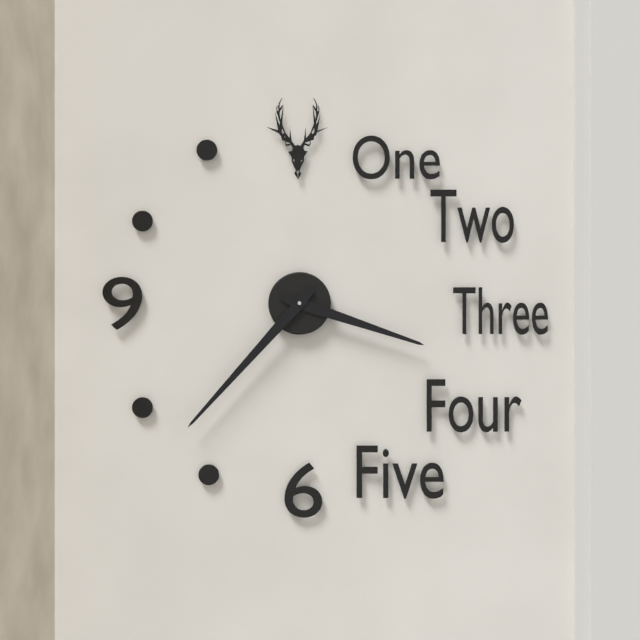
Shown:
**3:37**
